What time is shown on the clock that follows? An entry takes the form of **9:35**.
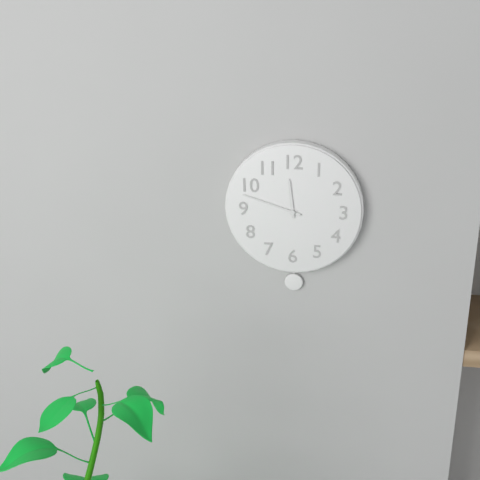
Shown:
**11:48**
